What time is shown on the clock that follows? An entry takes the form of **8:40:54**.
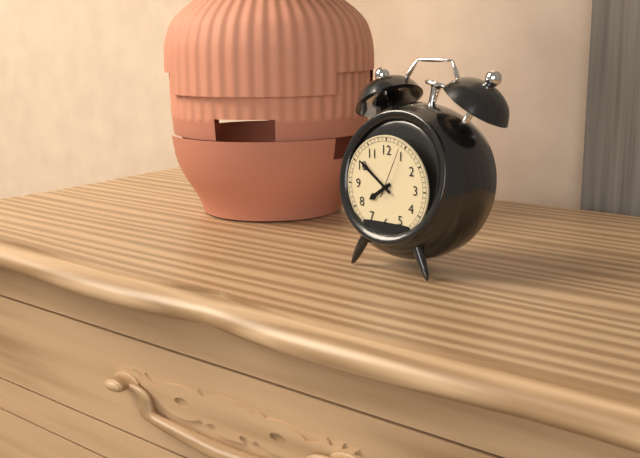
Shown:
**7:51:04**
